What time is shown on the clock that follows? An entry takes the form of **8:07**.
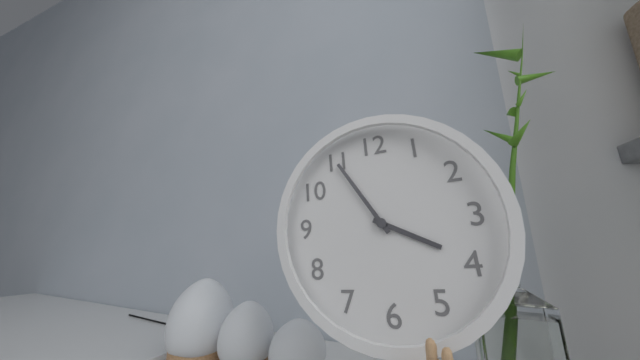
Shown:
**3:55**
